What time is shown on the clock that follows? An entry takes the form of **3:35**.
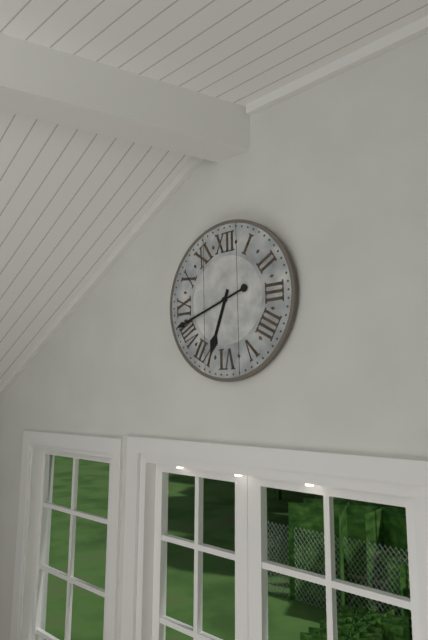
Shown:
**6:42**
